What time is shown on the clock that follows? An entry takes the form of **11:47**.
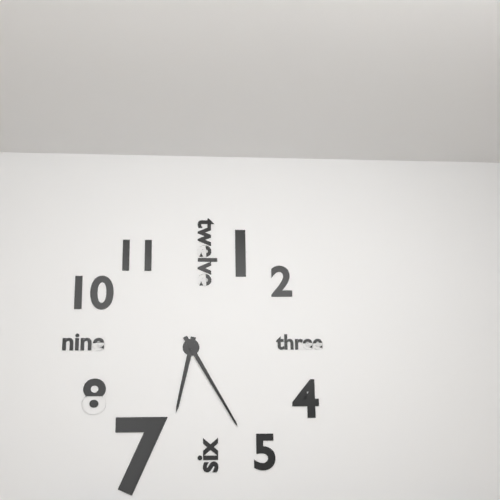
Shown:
**6:25**
